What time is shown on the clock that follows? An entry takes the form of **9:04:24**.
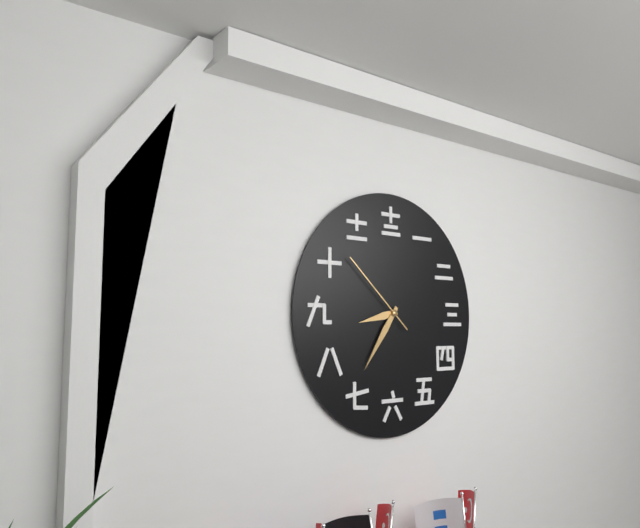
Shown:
**8:36:52**
